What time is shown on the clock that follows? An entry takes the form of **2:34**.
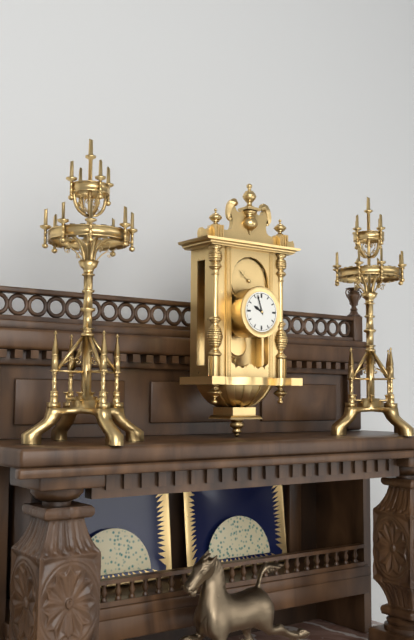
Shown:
**9:57**
